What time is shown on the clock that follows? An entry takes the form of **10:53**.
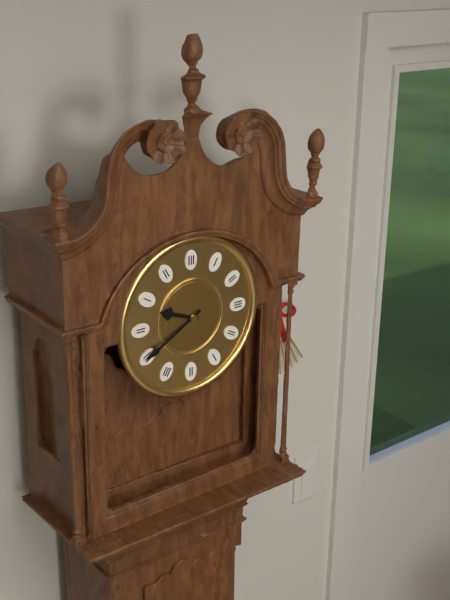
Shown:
**9:40**
